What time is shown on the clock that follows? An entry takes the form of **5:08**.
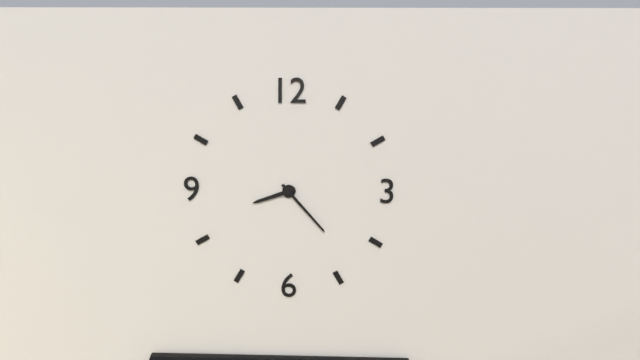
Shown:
**8:23**
